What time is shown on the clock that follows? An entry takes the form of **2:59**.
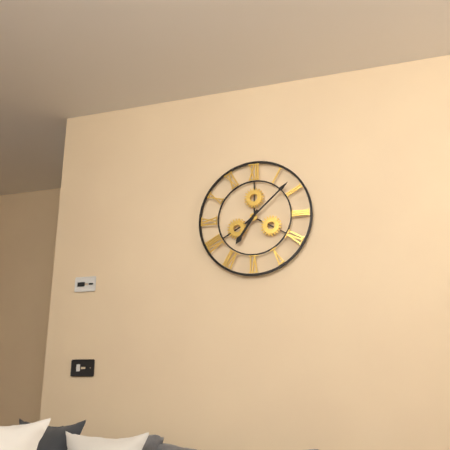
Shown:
**7:08**
